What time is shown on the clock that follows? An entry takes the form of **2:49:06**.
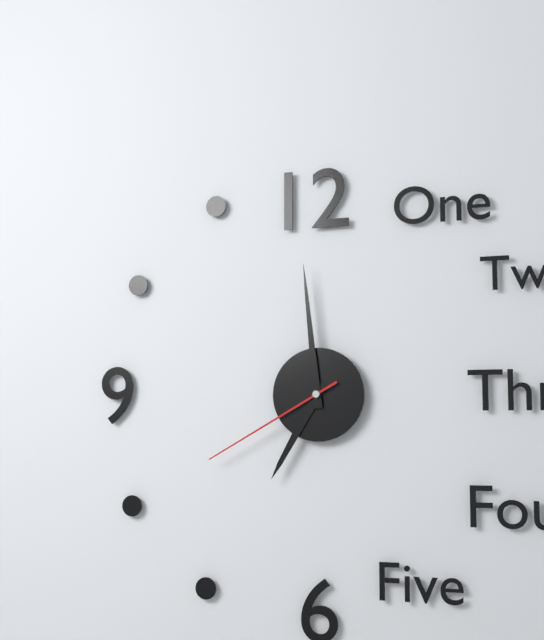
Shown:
**6:59:40**
